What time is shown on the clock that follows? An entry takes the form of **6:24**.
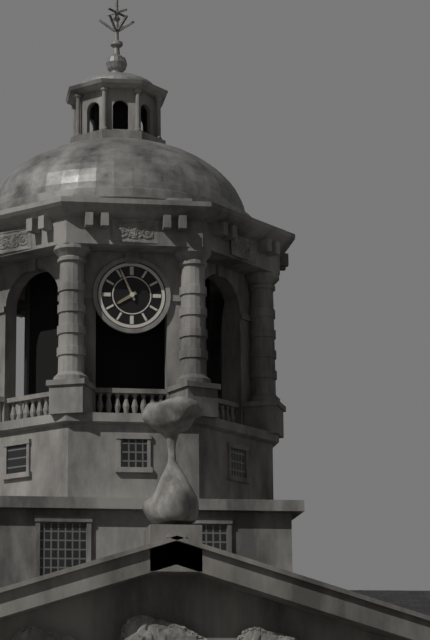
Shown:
**7:56**
